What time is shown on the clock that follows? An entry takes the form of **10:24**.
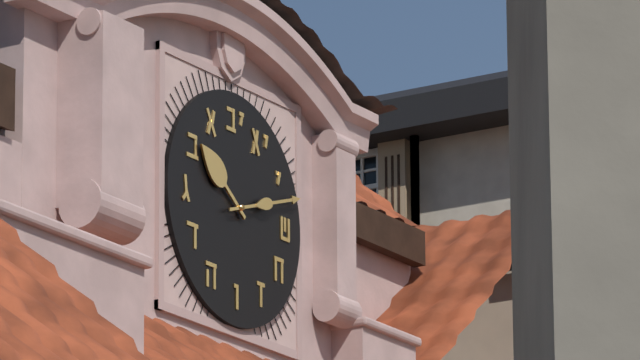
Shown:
**10:12**
